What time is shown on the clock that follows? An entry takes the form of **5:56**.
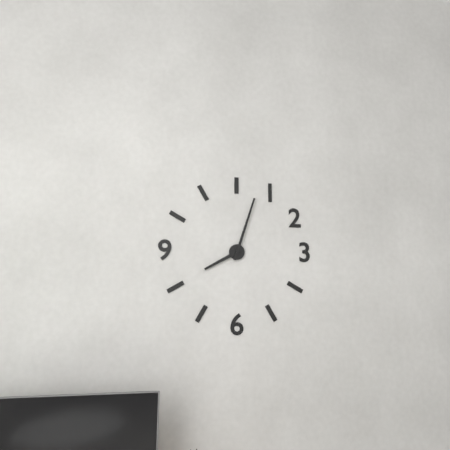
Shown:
**8:03**
